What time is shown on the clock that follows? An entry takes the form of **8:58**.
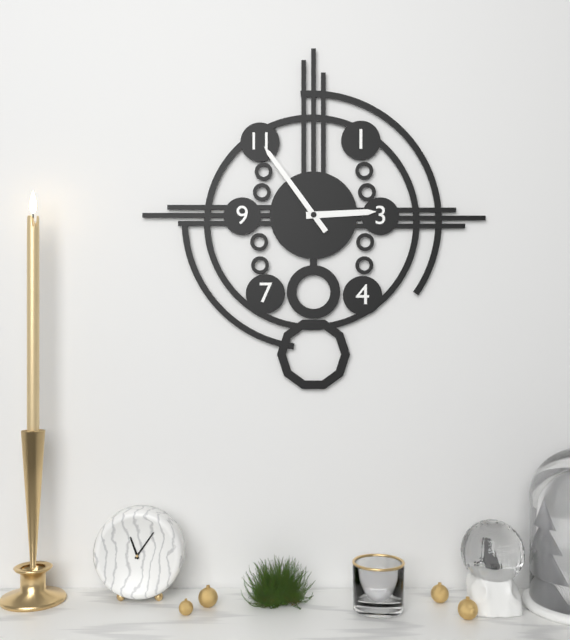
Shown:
**2:54**
